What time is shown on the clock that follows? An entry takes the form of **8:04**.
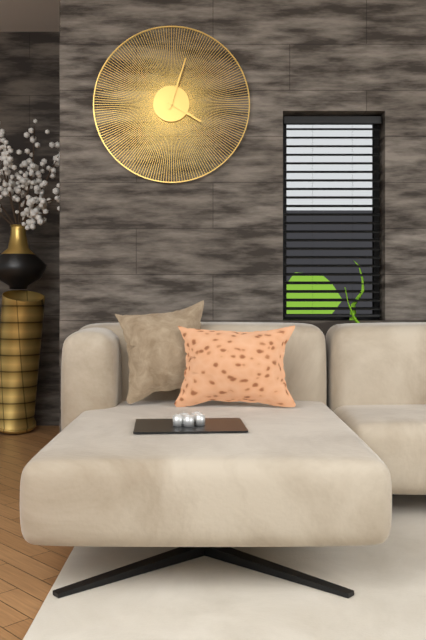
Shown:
**4:03**
